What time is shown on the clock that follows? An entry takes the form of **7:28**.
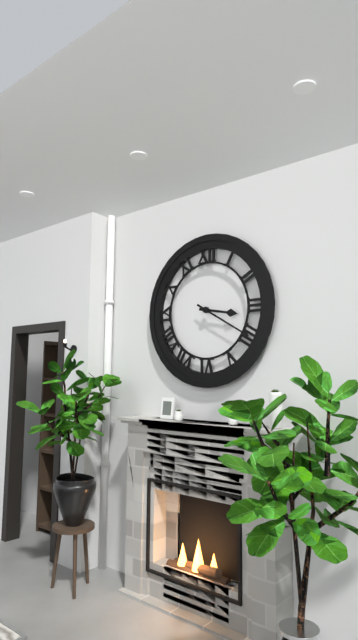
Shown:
**3:20**
